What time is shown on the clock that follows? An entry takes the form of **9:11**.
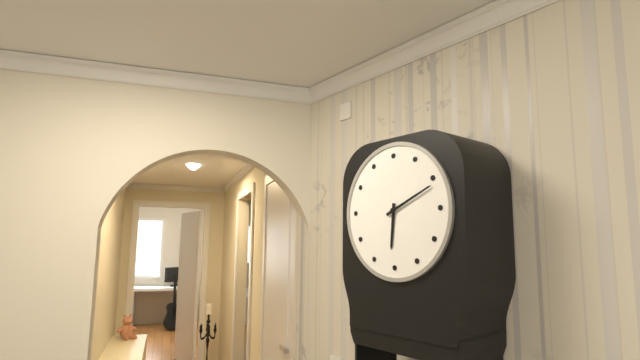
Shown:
**6:11**
